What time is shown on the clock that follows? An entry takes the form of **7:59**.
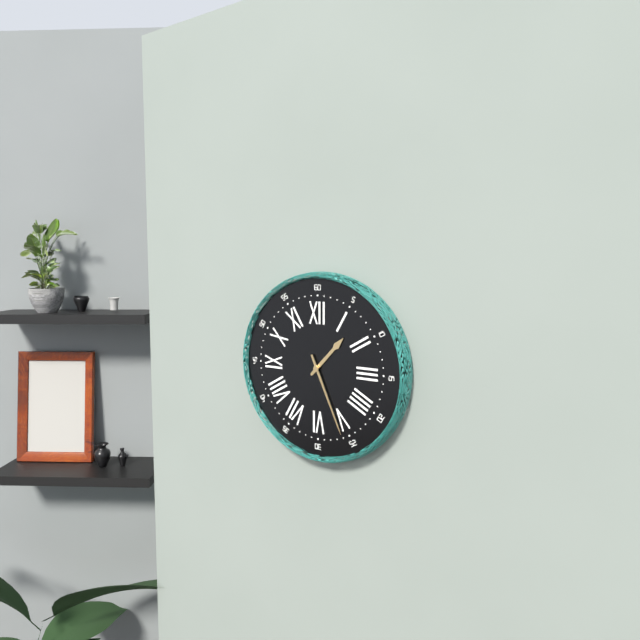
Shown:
**1:26**
